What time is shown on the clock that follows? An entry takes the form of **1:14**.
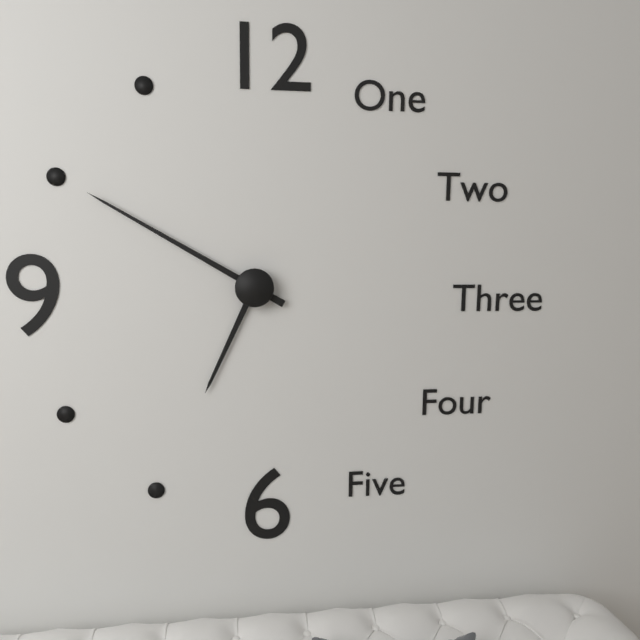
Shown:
**6:50**
